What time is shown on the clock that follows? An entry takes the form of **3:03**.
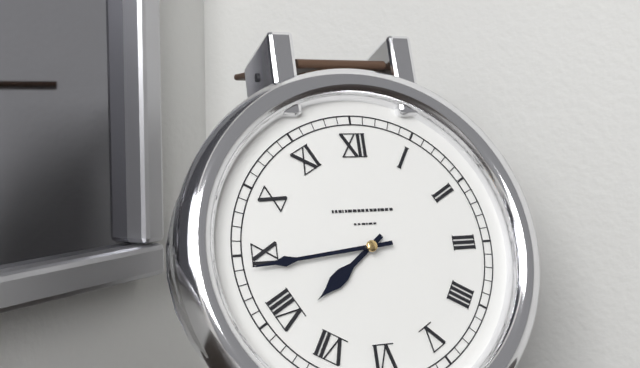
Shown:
**7:44**
